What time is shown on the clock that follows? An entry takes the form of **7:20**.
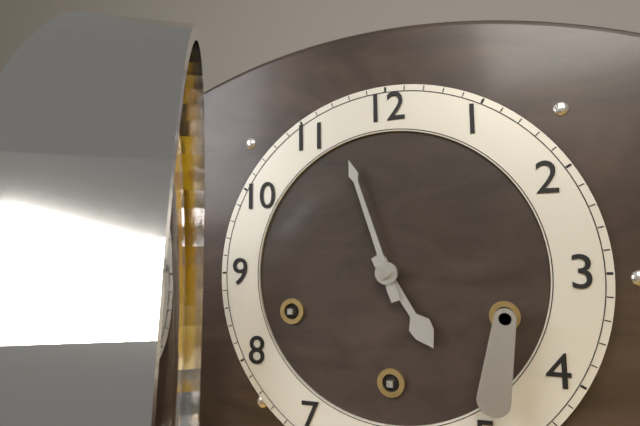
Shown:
**4:57**
